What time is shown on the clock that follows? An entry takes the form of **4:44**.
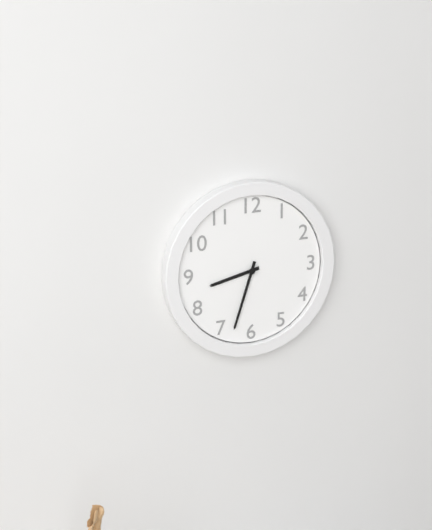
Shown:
**8:33**
